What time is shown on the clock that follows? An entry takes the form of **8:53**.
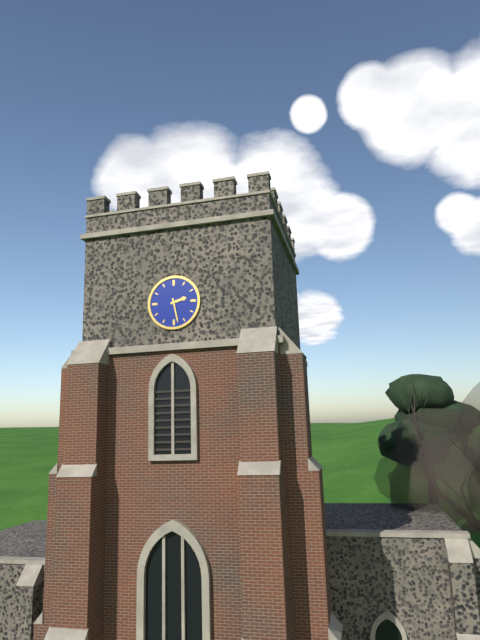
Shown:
**2:28**
